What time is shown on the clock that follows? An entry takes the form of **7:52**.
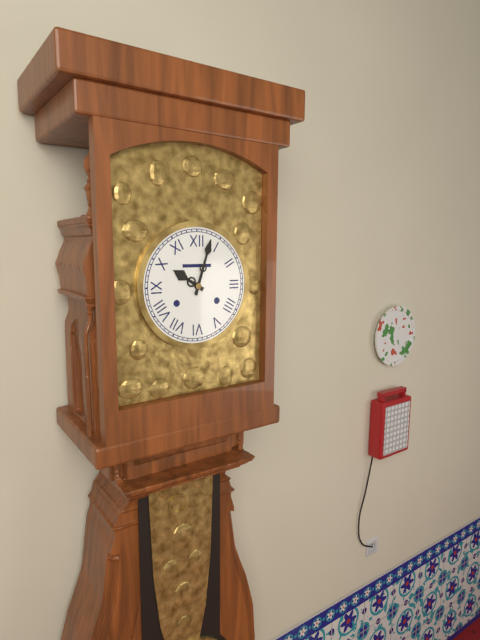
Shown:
**10:03**
